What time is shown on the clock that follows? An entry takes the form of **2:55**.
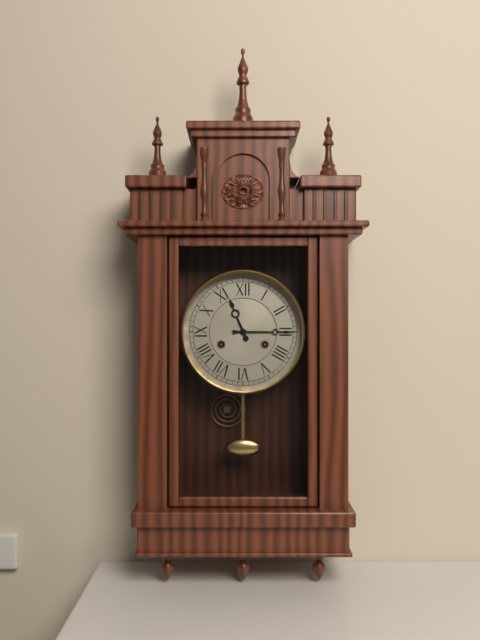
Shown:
**11:15**
